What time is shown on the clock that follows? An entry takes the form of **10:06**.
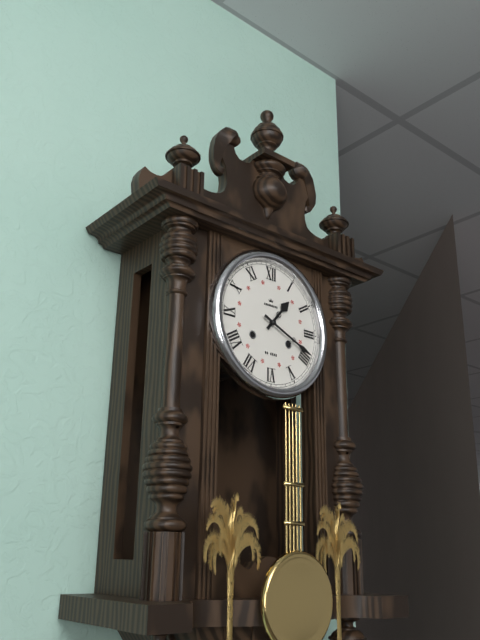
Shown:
**1:19**
